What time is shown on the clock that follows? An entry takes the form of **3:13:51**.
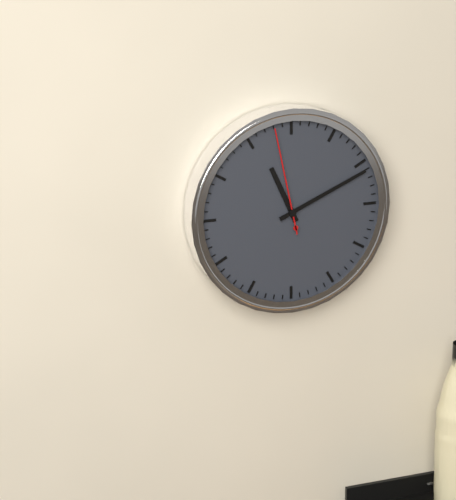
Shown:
**11:11:58**
